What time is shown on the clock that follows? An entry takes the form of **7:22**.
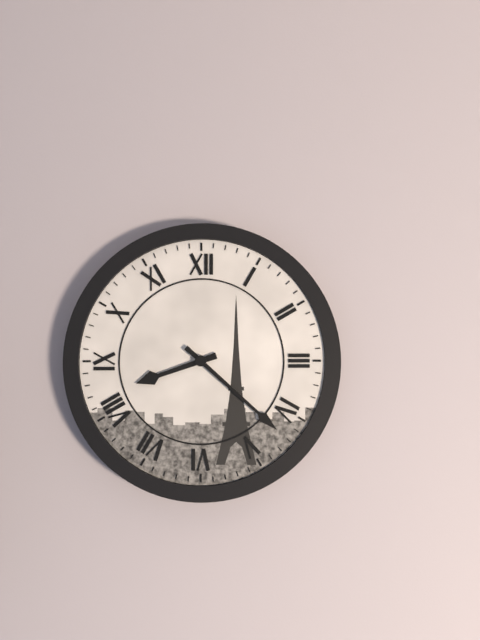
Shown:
**8:22**
